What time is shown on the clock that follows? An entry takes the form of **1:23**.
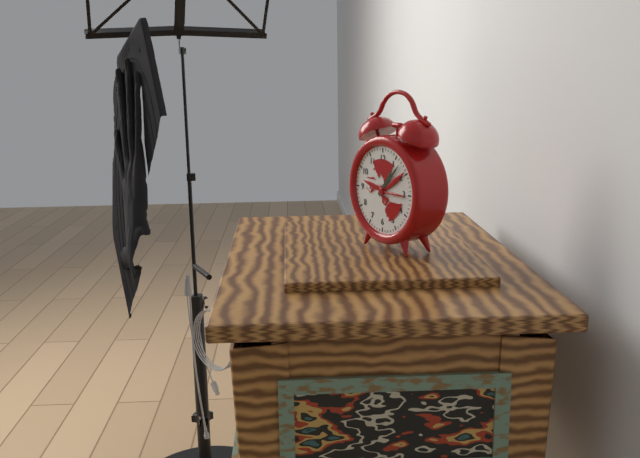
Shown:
**1:07**
